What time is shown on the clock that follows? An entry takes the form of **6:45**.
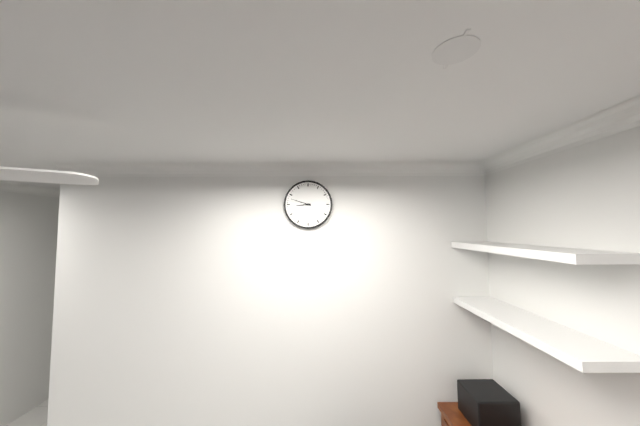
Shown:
**8:48**
